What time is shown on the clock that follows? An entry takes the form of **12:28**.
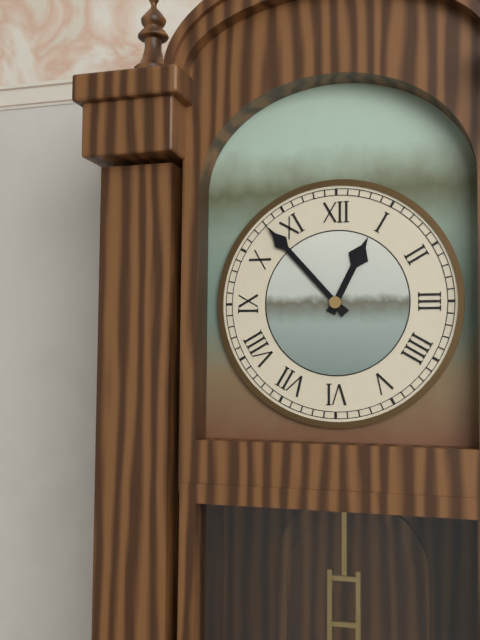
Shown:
**12:53**
